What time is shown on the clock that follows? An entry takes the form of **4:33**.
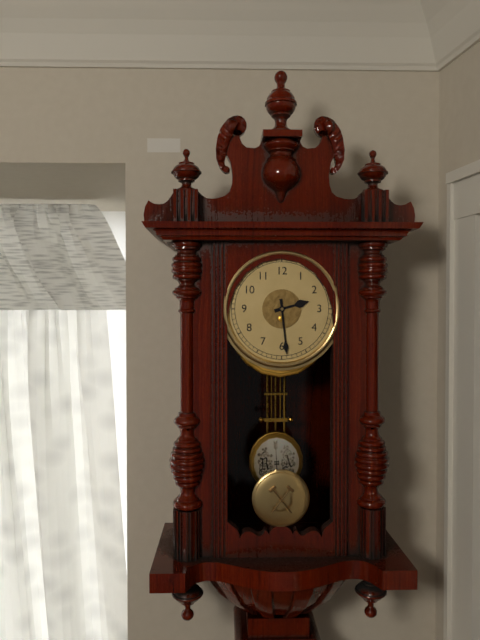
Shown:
**2:29**
